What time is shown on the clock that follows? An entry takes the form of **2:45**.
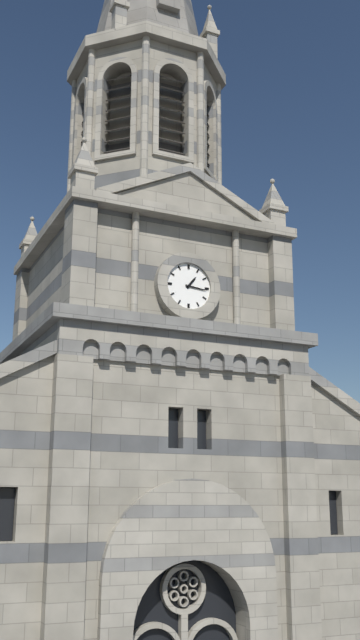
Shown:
**1:16**
